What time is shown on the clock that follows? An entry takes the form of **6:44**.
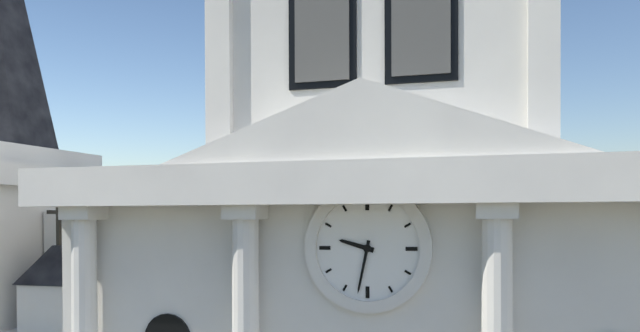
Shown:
**9:32**
